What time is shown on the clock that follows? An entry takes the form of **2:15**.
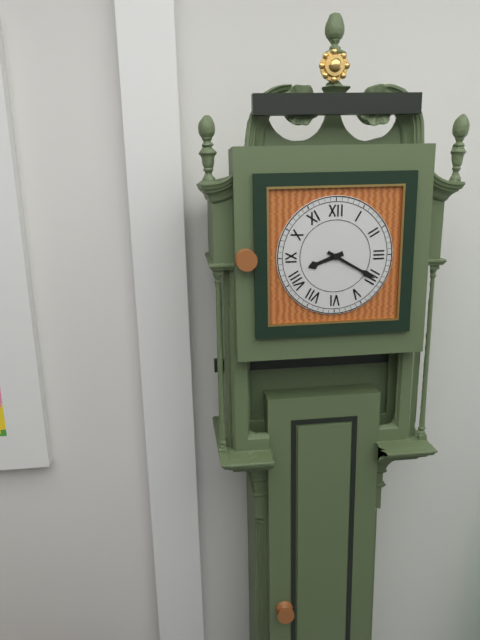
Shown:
**8:20**
